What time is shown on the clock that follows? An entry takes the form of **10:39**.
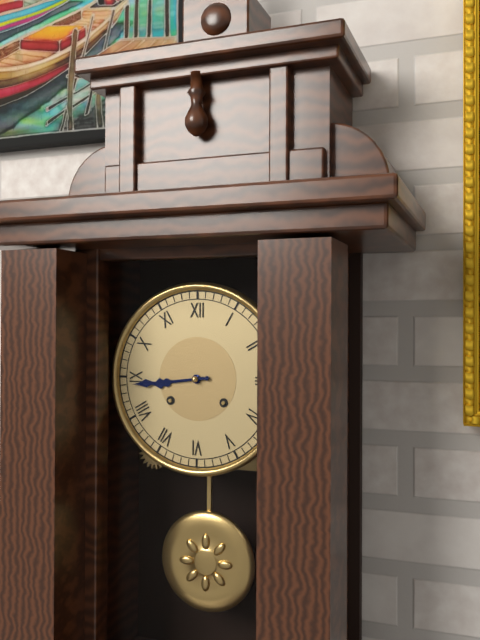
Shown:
**8:44**
